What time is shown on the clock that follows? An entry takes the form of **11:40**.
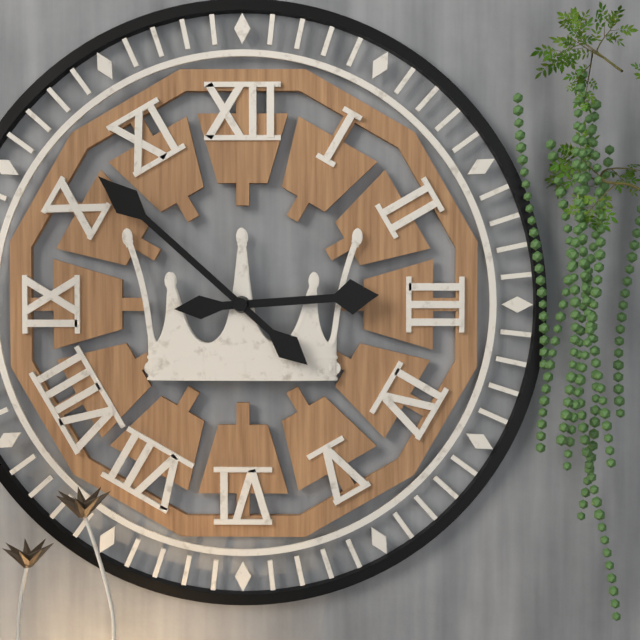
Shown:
**2:52**
